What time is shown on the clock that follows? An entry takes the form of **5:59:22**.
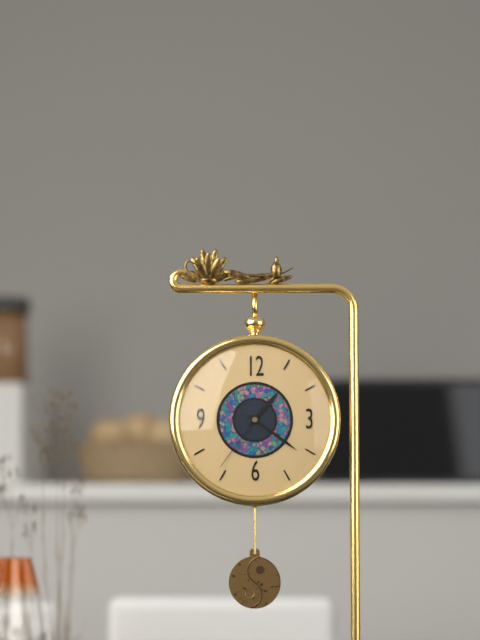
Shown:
**1:21:36**
